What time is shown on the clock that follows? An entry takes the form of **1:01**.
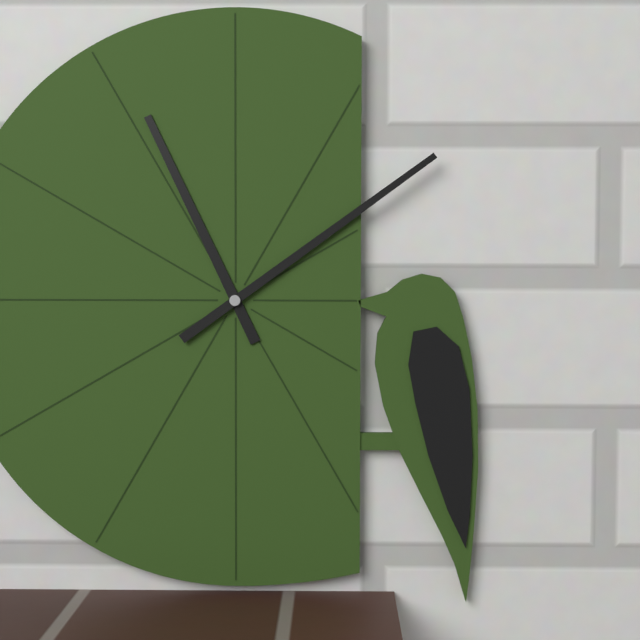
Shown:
**11:09**
